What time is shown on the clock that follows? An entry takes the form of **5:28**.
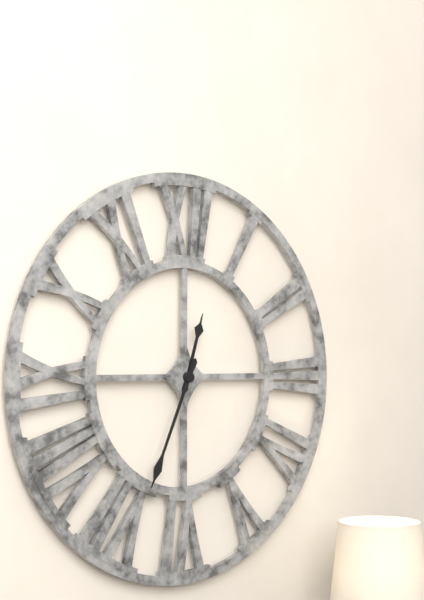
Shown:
**12:34**
